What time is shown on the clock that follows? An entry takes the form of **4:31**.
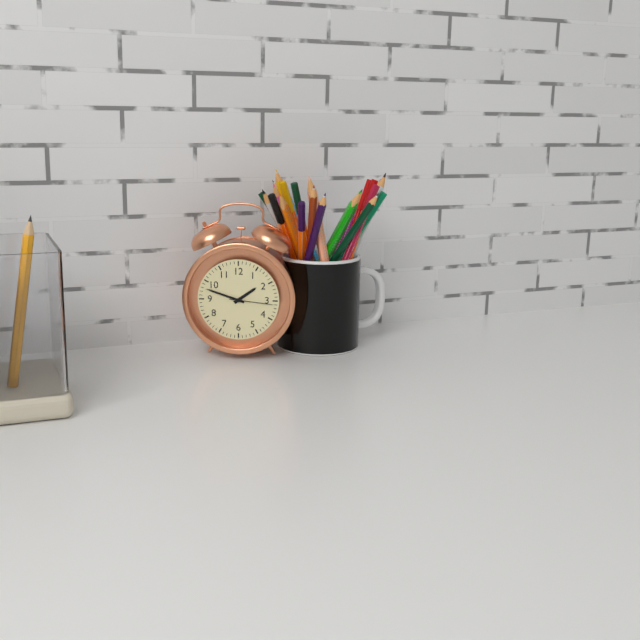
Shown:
**1:48**
